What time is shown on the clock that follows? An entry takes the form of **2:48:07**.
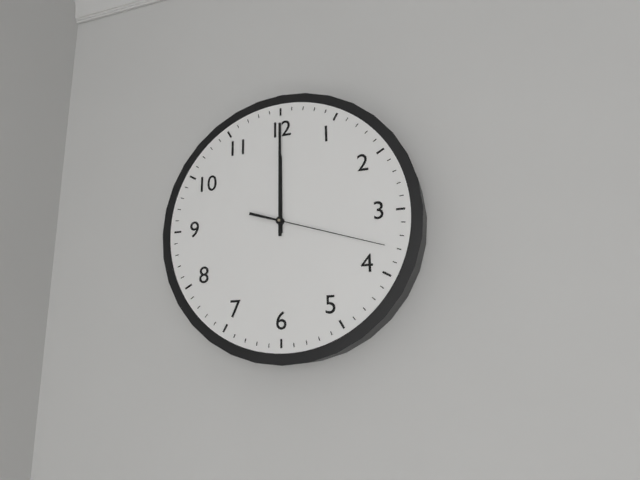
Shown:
**12:00:18**
